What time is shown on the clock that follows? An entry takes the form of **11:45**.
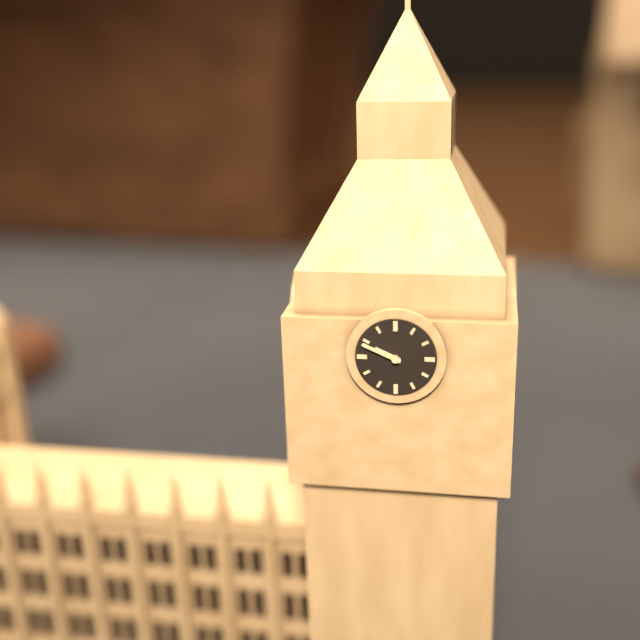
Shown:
**9:49**
